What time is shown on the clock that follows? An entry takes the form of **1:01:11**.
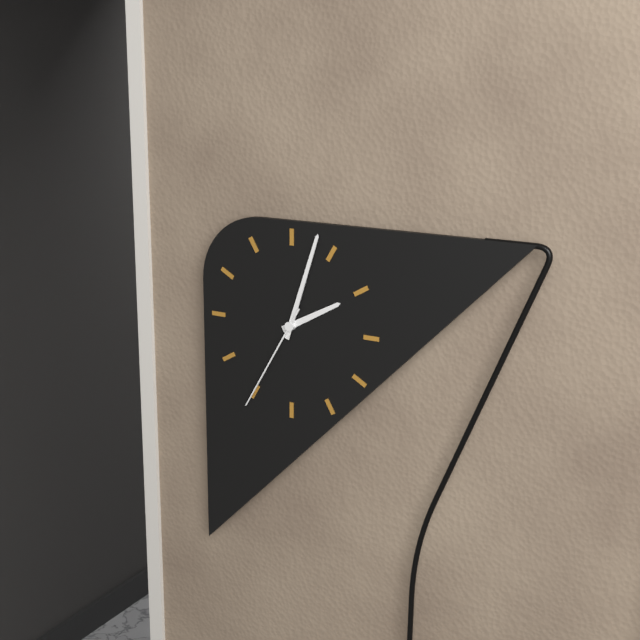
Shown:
**2:03:35**
